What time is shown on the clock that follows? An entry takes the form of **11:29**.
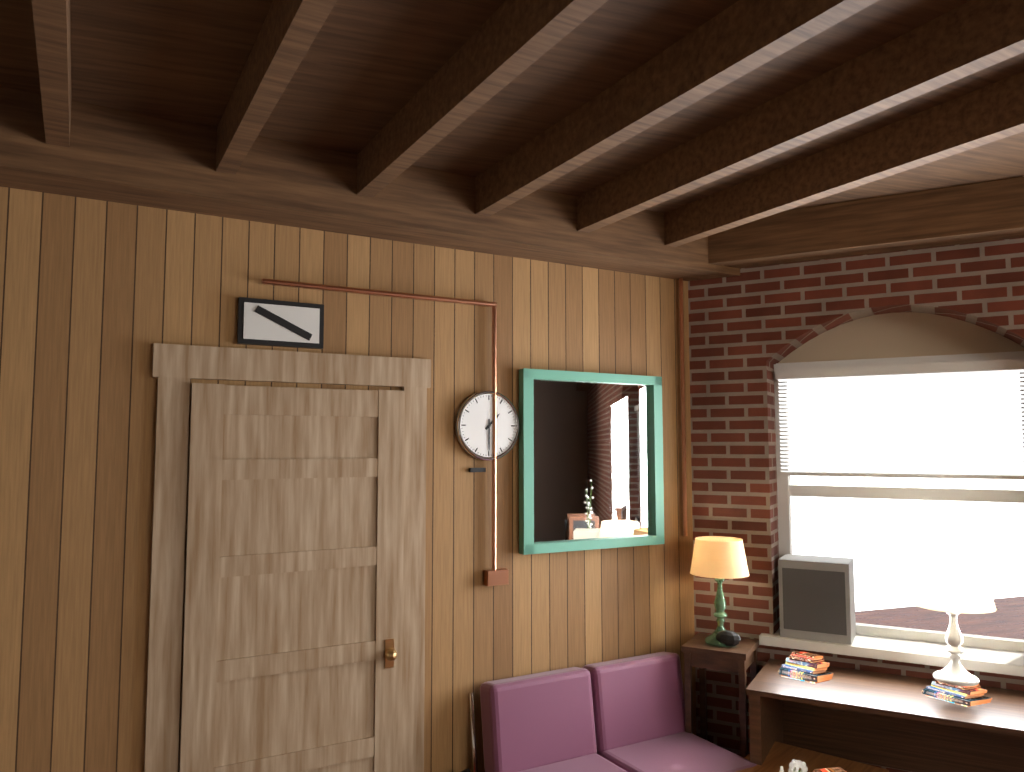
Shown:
**1:30**
